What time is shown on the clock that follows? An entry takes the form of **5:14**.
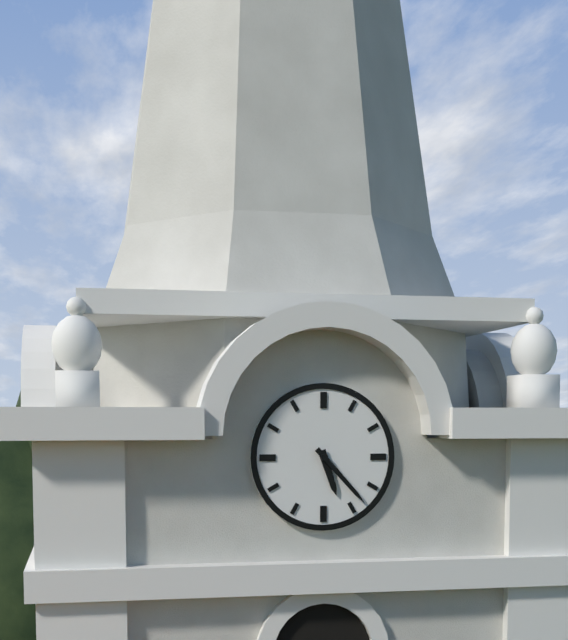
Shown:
**5:23**
